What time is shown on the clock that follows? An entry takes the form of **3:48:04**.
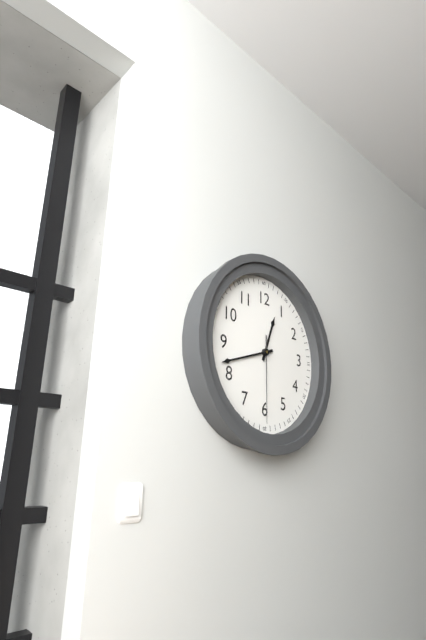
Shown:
**12:42:30**
